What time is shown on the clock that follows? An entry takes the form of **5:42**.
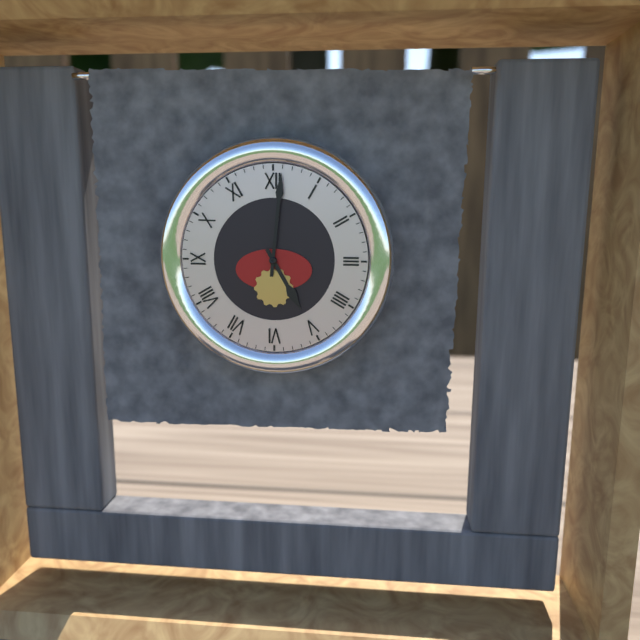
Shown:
**5:01**
